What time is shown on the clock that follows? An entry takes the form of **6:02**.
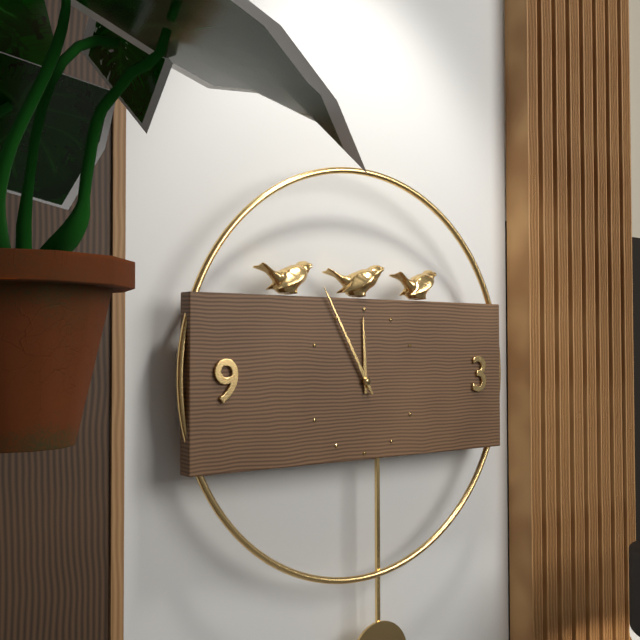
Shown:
**11:55**
